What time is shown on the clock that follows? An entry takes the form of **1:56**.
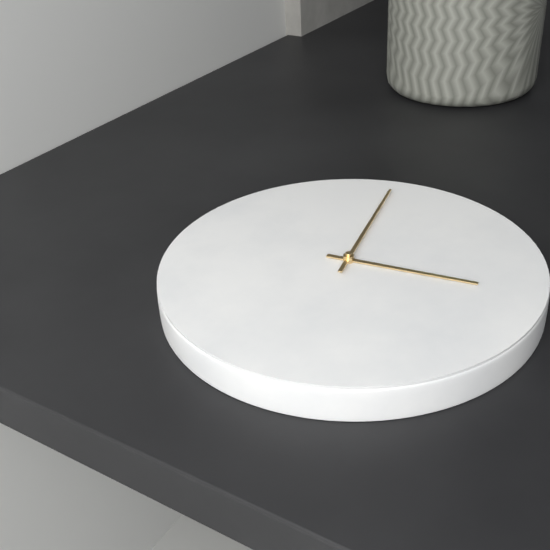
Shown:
**4:05**
